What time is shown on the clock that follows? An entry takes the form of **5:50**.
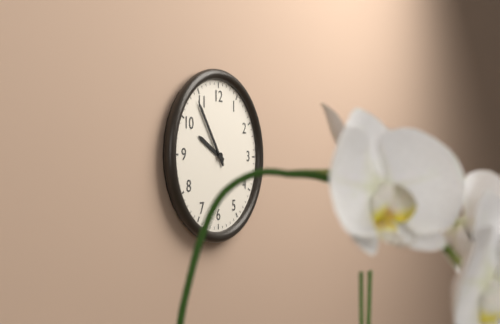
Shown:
**9:54**
